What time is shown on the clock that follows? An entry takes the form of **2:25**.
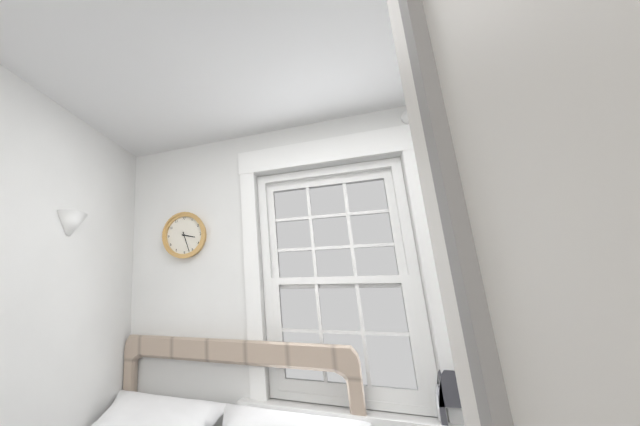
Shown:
**3:27**
